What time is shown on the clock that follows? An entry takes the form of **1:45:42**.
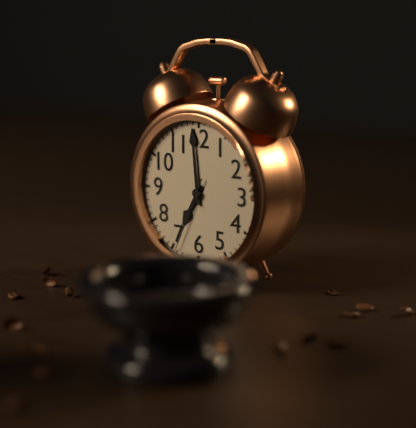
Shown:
**6:59:34**
